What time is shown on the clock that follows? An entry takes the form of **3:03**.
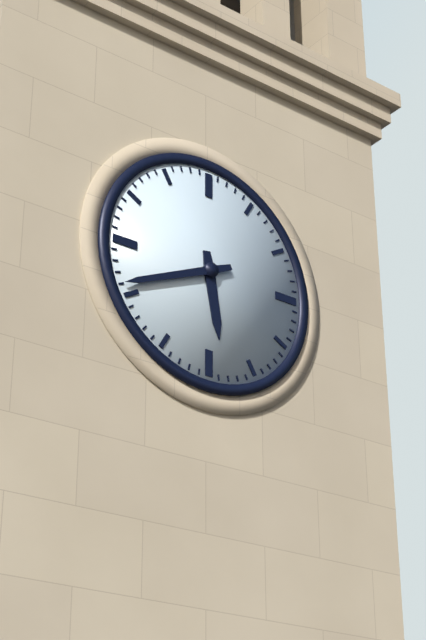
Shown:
**5:41**
